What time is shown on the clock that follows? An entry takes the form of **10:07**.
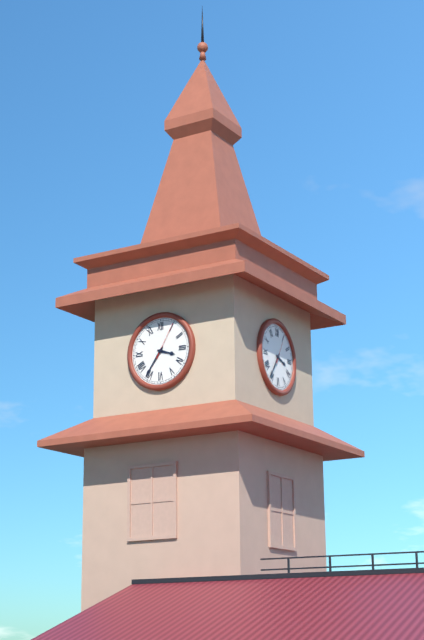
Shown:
**3:36**
